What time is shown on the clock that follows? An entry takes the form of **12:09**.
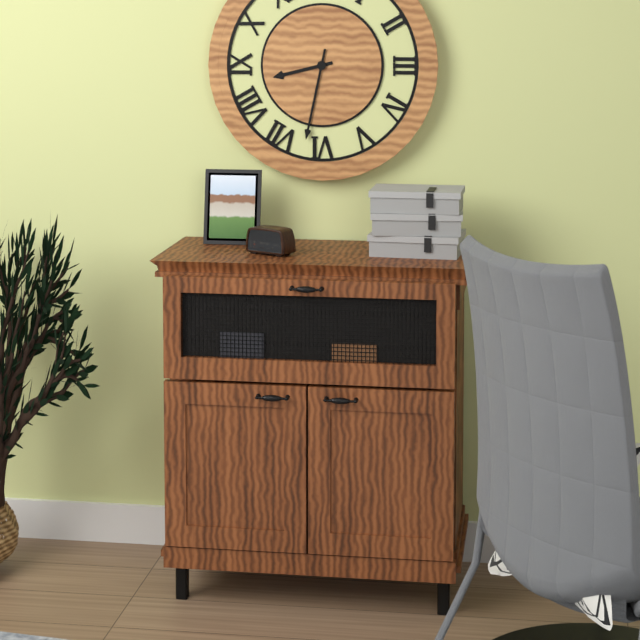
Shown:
**8:32**
